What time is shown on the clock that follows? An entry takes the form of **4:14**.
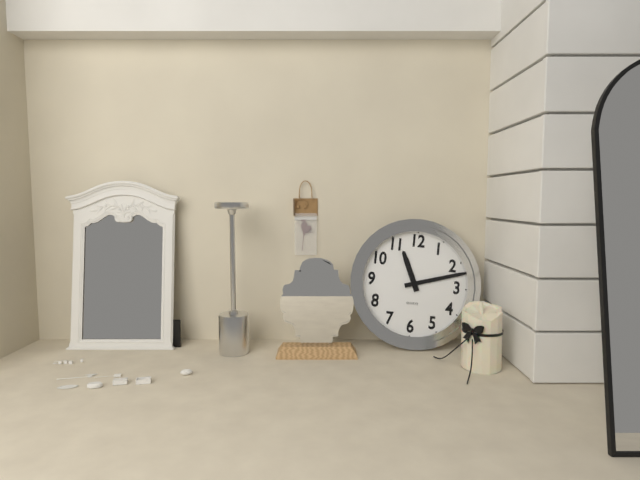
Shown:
**11:12**
